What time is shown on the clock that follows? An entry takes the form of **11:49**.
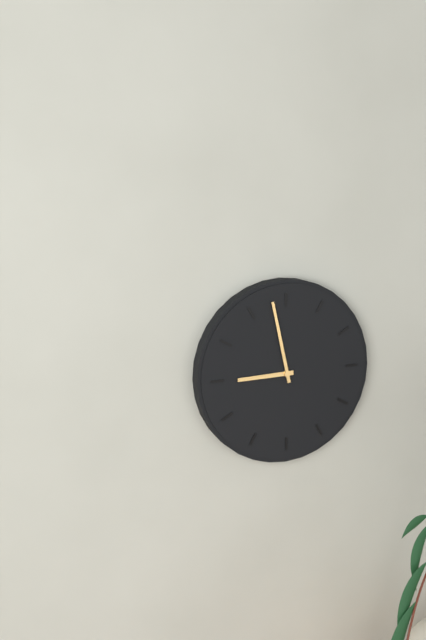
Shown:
**8:58**
